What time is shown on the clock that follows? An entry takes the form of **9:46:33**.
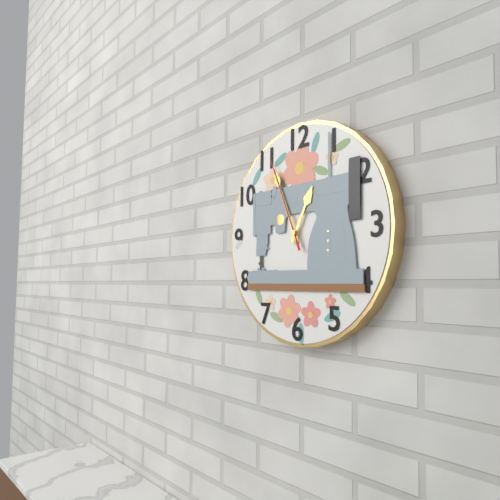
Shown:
**12:56:56**
